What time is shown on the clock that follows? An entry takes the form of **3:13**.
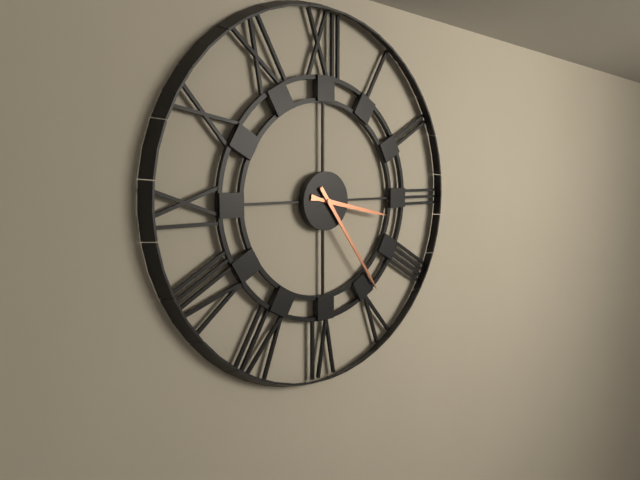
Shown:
**3:24**
